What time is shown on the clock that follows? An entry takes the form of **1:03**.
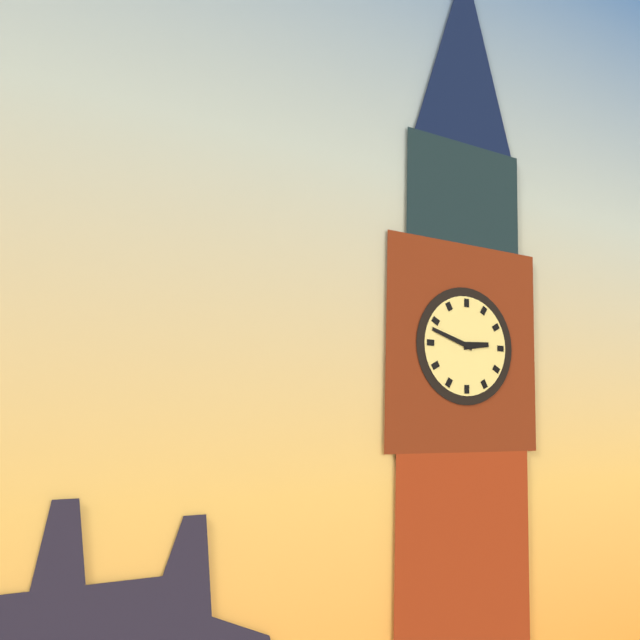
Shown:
**2:48**
